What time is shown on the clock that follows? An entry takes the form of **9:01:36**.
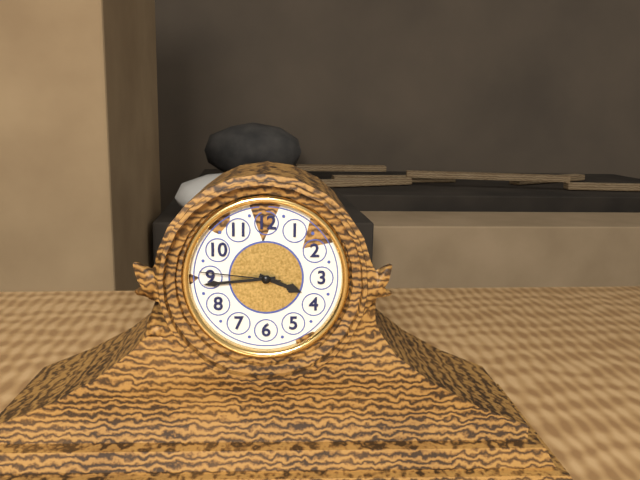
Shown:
**3:44:46**
